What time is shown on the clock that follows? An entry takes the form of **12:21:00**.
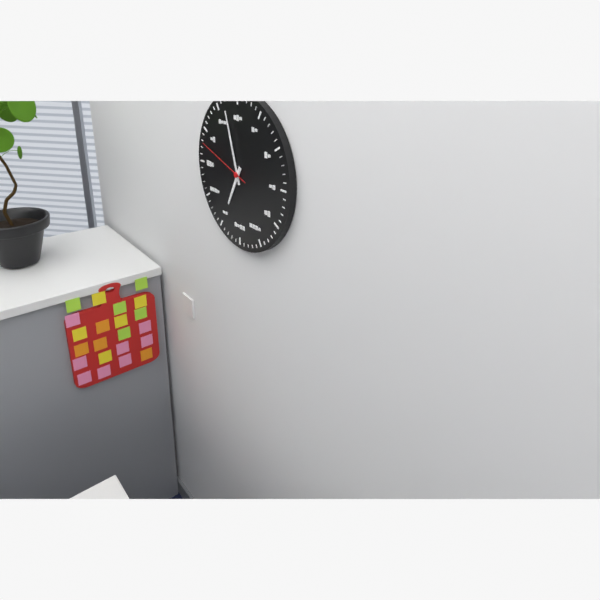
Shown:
**6:57:48**
